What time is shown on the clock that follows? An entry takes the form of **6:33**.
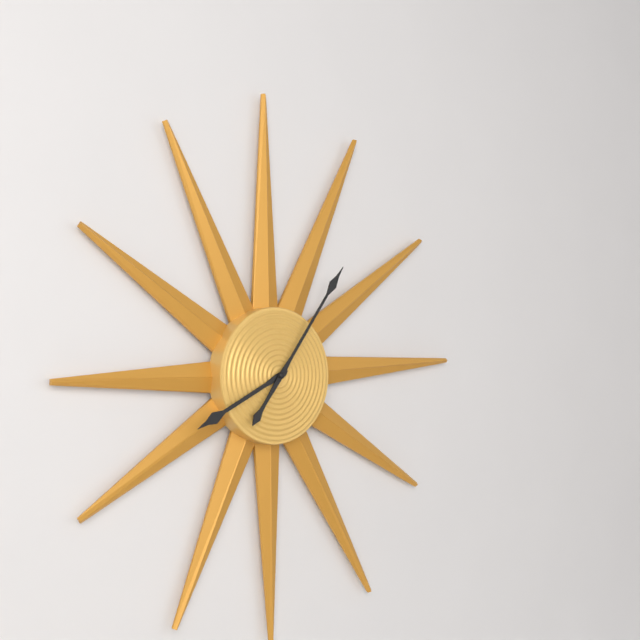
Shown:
**8:06**
